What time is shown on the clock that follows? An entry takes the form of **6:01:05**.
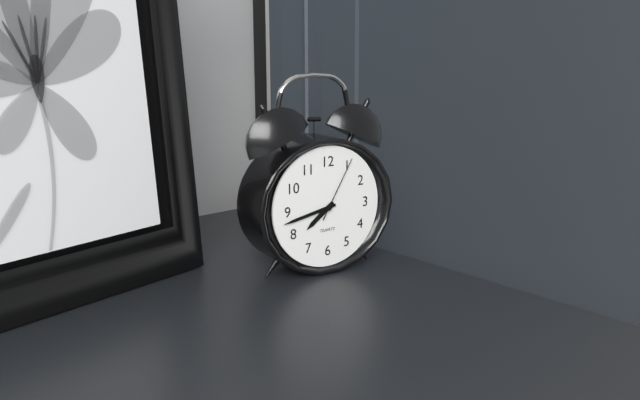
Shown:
**7:43:05**
